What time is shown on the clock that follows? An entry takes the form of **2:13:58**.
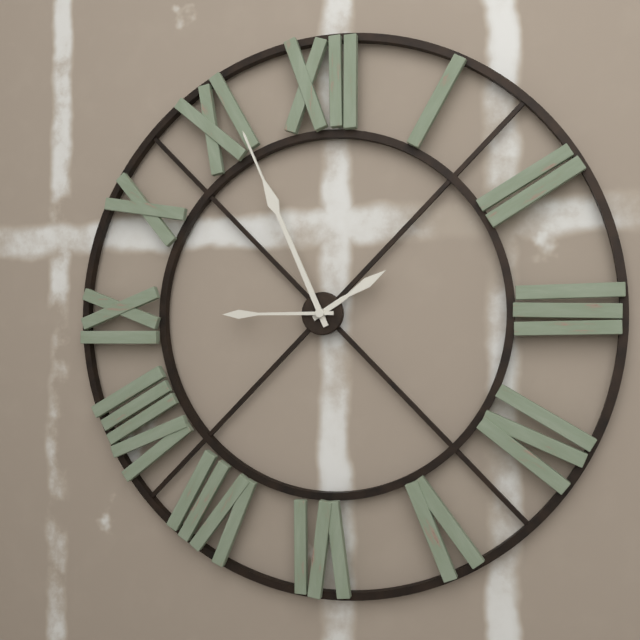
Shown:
**1:56:45**
